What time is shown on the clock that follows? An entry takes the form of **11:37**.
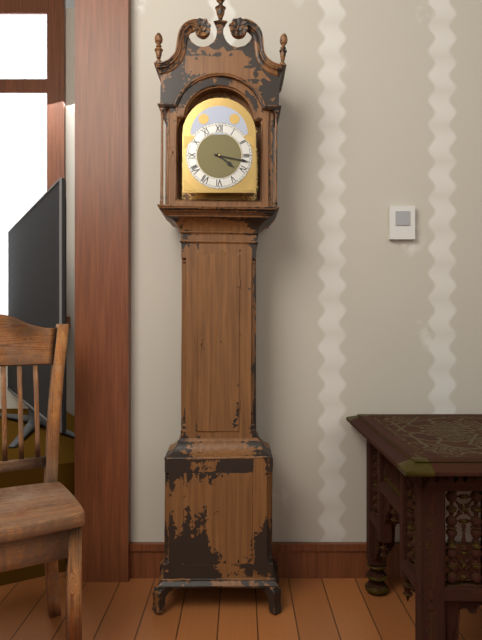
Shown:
**4:17**
